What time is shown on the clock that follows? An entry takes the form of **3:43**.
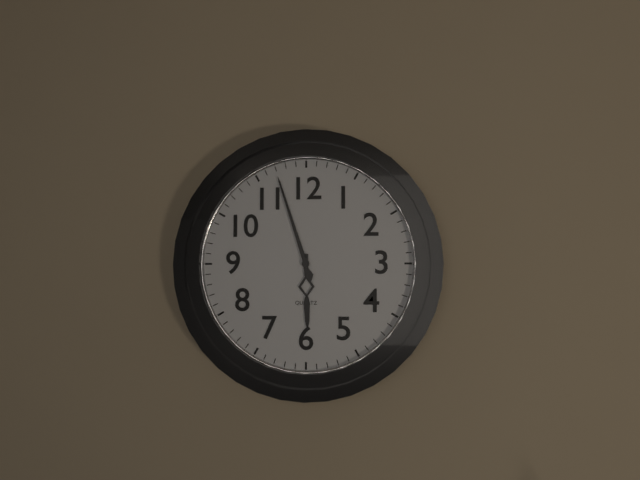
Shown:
**5:57**
